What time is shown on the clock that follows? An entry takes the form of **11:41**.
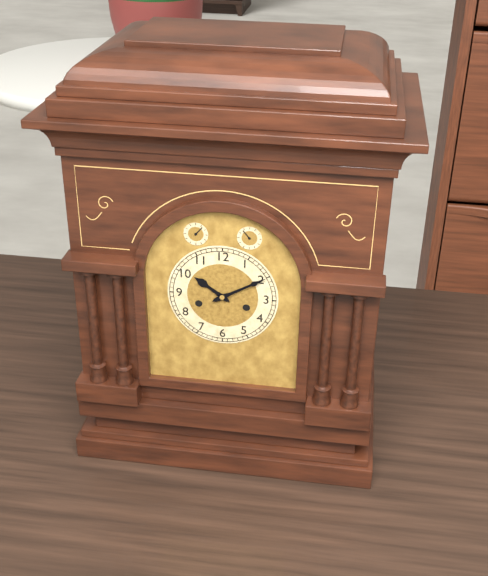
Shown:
**10:10**
